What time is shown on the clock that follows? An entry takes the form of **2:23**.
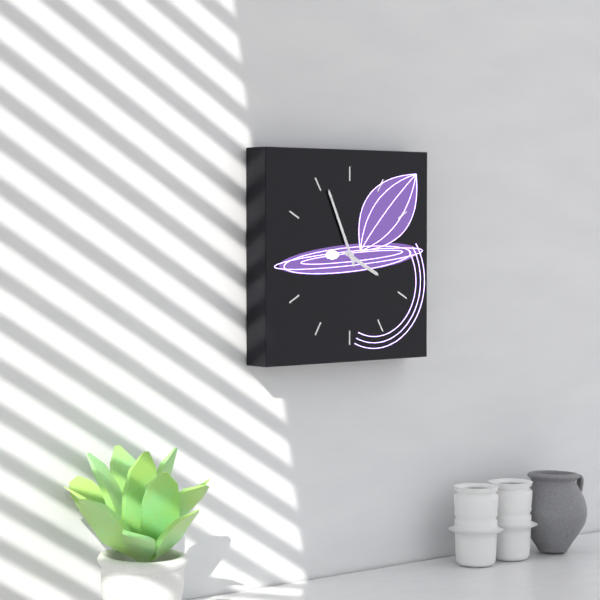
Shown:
**3:56**
